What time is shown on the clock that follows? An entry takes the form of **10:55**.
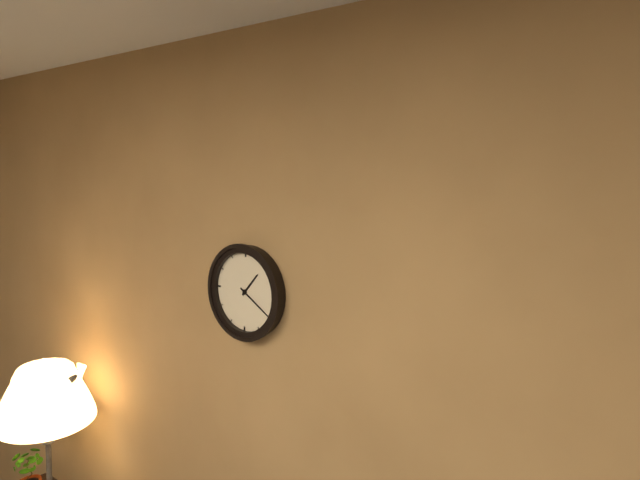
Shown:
**1:20**
